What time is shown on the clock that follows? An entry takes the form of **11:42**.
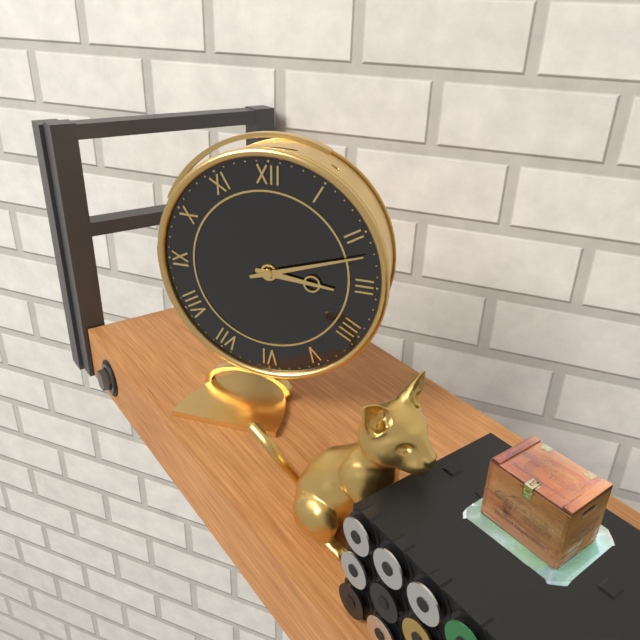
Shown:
**3:12**
